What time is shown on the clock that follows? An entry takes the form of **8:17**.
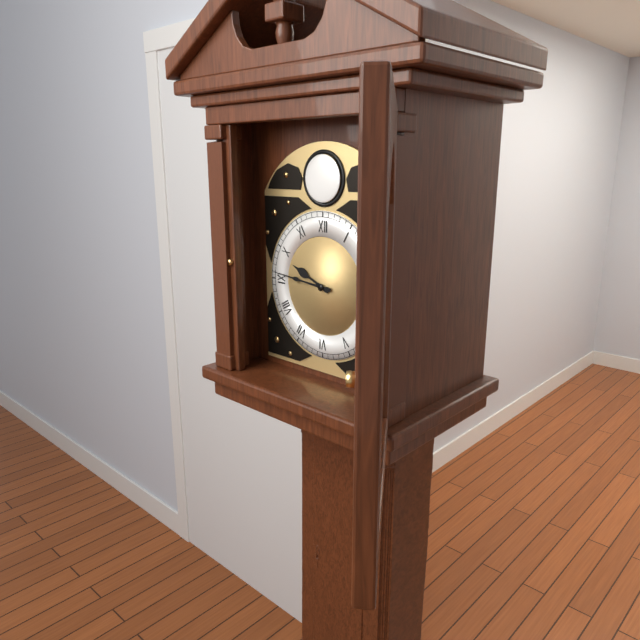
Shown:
**9:46**
